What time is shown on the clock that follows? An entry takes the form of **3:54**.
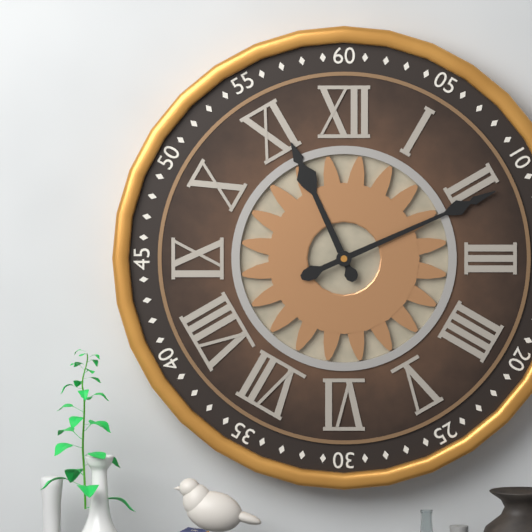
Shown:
**11:11**
